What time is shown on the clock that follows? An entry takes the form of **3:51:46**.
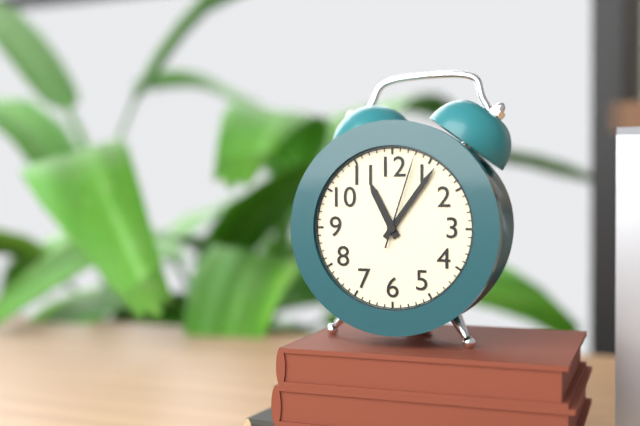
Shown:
**11:06:03**
